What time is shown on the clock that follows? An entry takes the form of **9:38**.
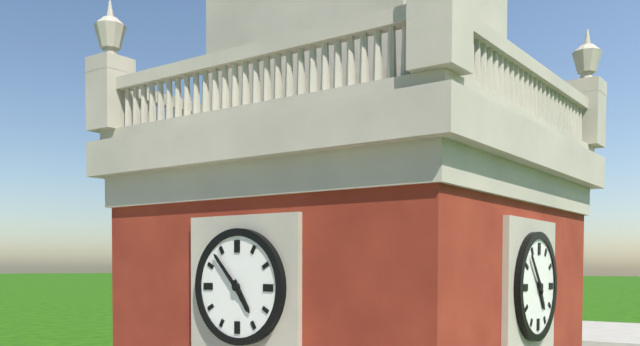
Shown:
**4:53**
